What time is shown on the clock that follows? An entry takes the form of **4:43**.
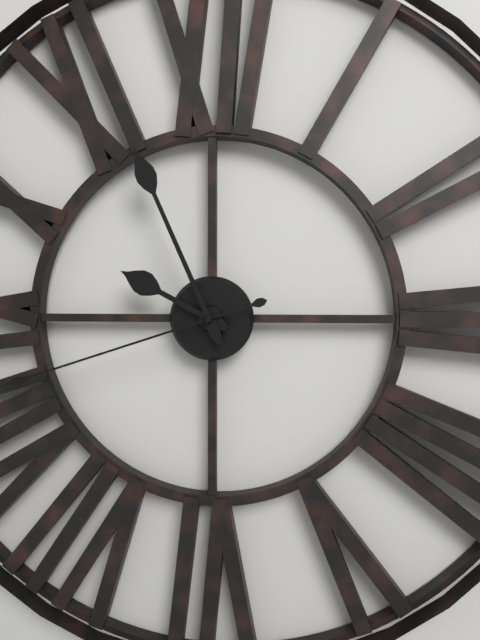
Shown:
**9:56**
